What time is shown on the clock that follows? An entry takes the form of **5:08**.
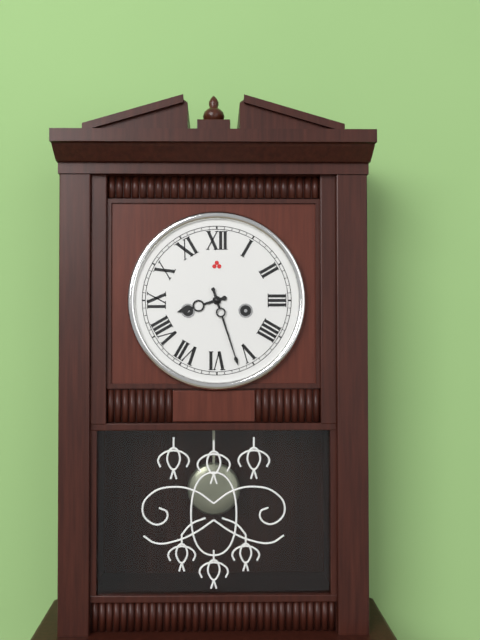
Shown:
**8:27**
